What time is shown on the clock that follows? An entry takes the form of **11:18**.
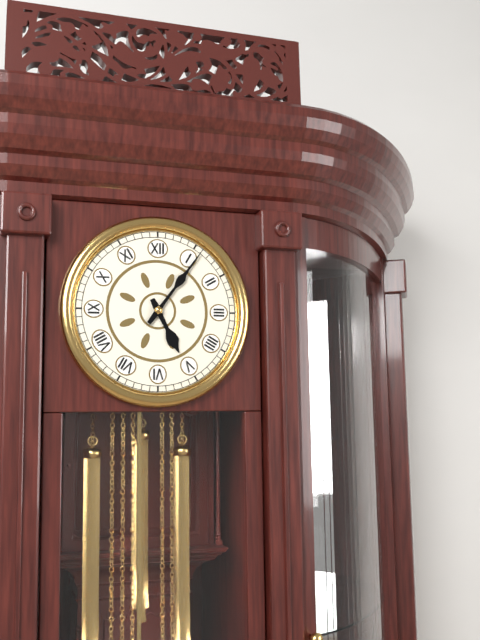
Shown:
**5:06**
